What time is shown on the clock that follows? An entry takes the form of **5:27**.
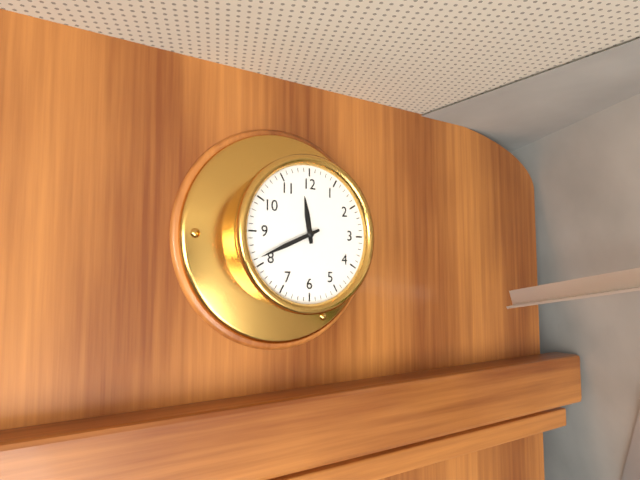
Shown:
**11:41**
